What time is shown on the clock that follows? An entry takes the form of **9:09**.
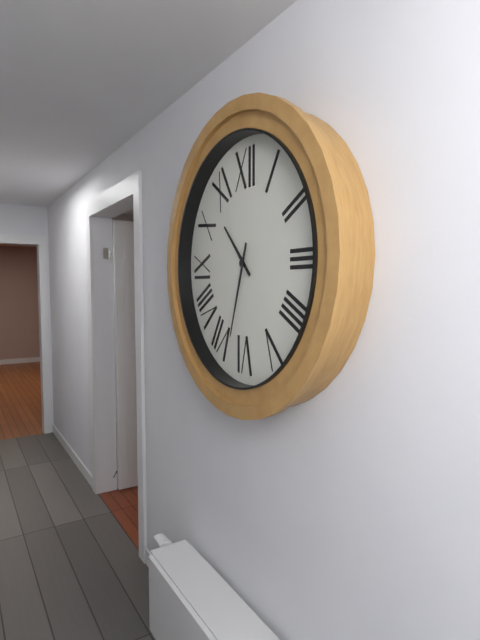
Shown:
**10:33**
